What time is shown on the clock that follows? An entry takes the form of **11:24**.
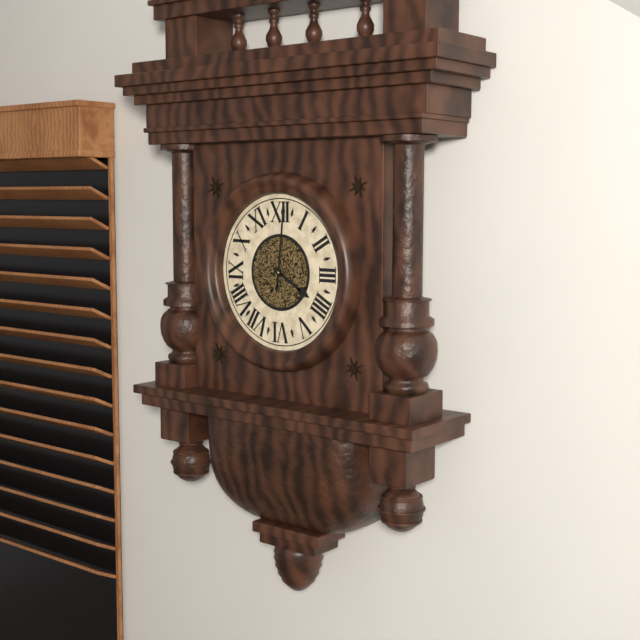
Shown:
**4:01**
